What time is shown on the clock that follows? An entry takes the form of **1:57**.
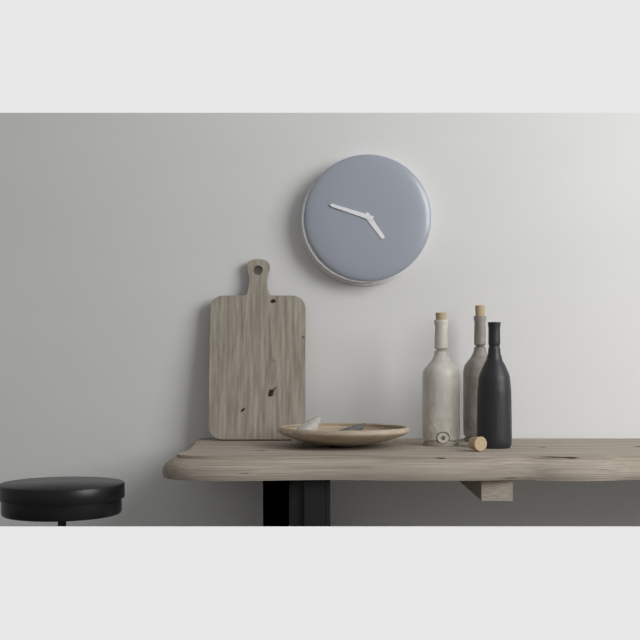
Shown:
**4:48**
